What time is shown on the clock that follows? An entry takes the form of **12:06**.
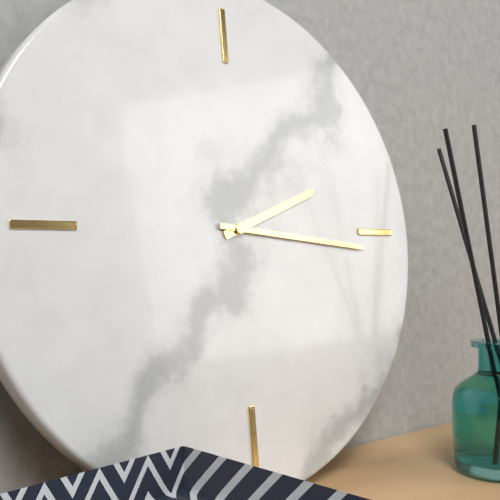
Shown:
**2:16**
